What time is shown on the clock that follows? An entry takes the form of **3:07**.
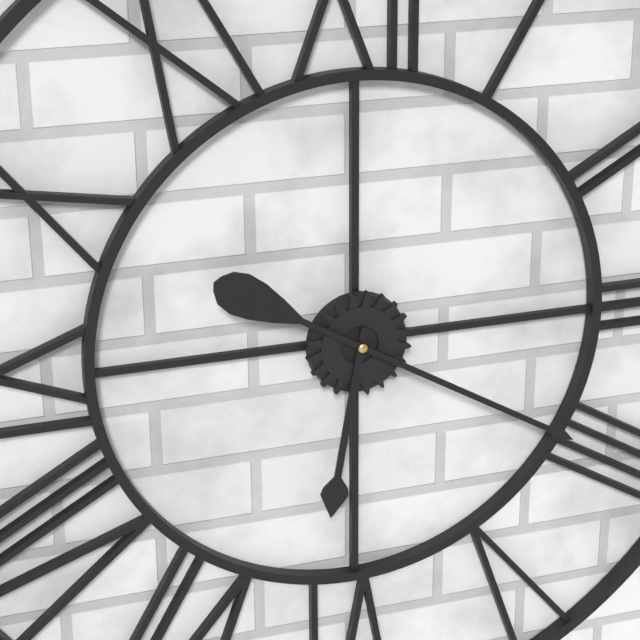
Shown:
**6:20**
